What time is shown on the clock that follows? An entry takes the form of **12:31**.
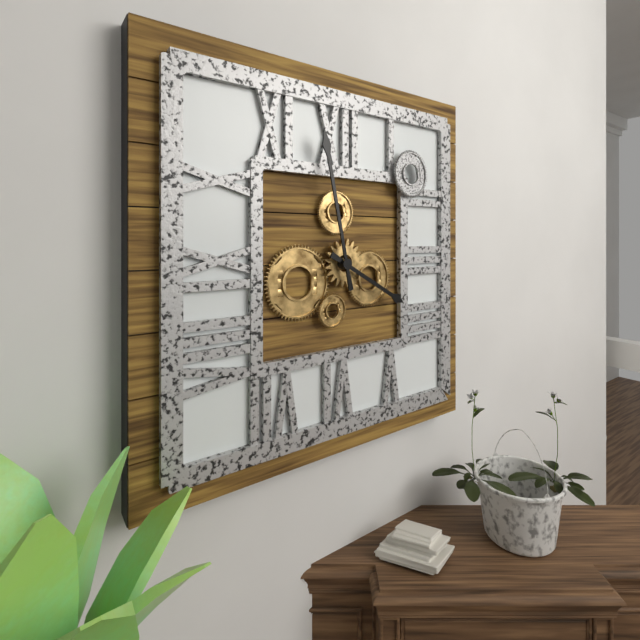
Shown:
**3:58**
